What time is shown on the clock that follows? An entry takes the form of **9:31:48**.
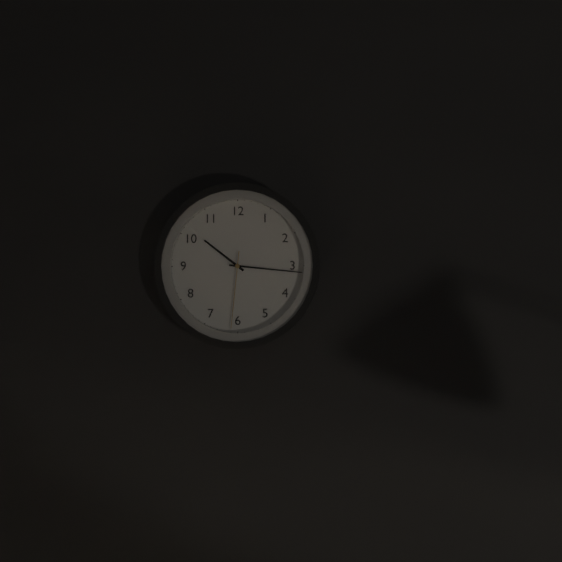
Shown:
**10:16:31**
